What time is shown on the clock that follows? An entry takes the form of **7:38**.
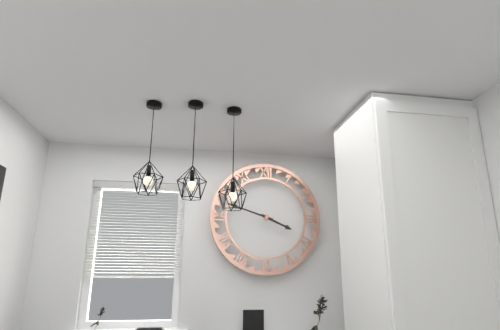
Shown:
**3:48**
